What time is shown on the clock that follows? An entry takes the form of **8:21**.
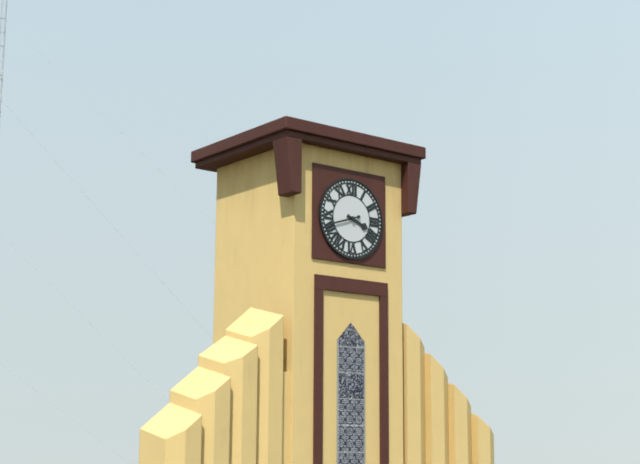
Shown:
**3:42**
